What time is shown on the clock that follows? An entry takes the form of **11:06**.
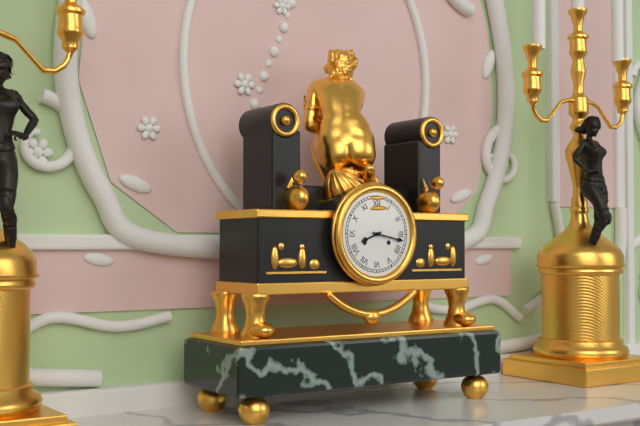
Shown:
**8:17**
